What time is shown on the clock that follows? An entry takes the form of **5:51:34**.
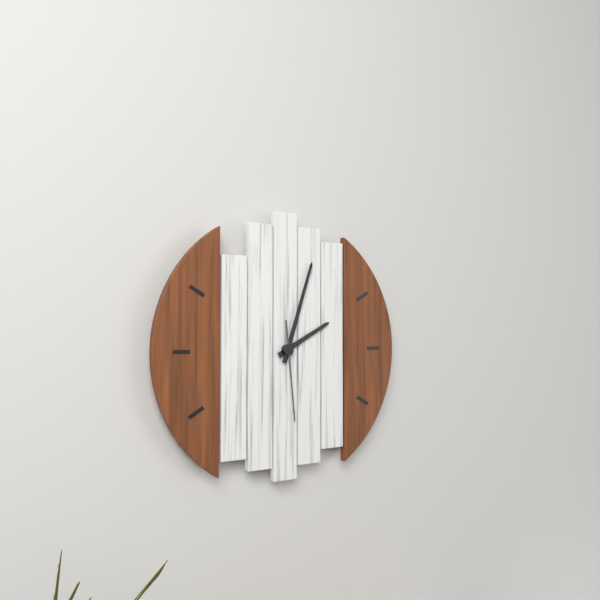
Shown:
**2:03:29**
